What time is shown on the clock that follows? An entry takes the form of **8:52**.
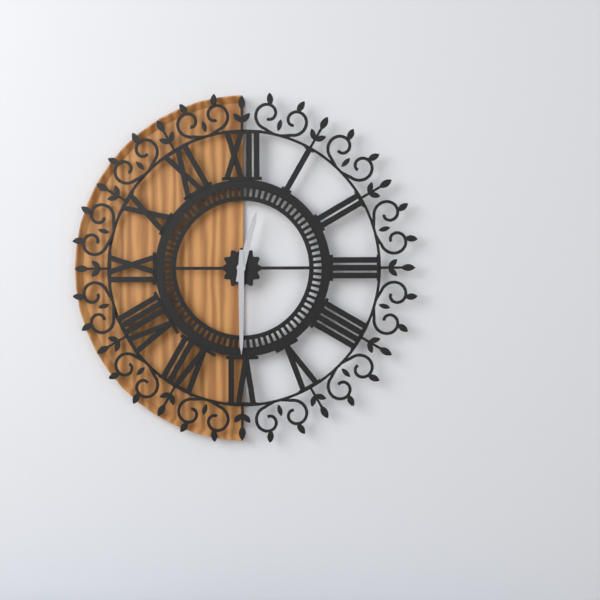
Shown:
**12:30**
